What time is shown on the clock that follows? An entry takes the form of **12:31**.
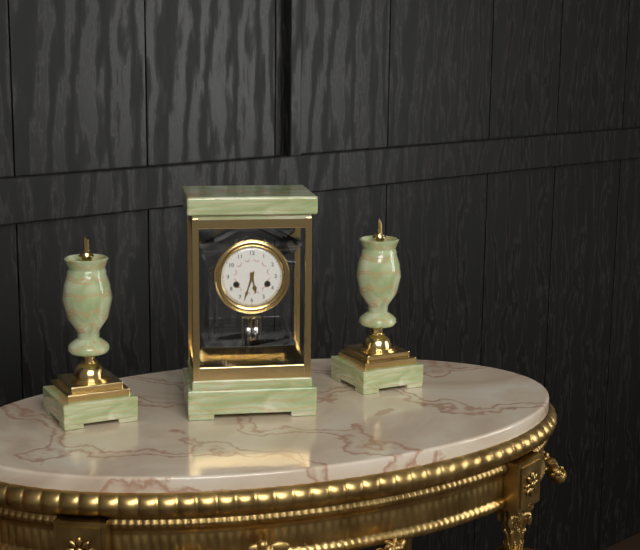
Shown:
**5:33**
